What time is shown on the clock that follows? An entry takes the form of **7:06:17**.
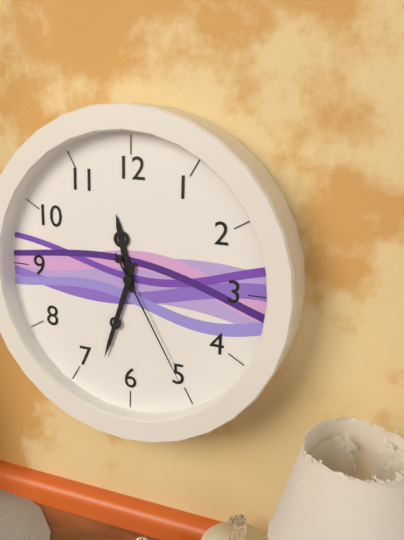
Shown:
**11:33:25**
